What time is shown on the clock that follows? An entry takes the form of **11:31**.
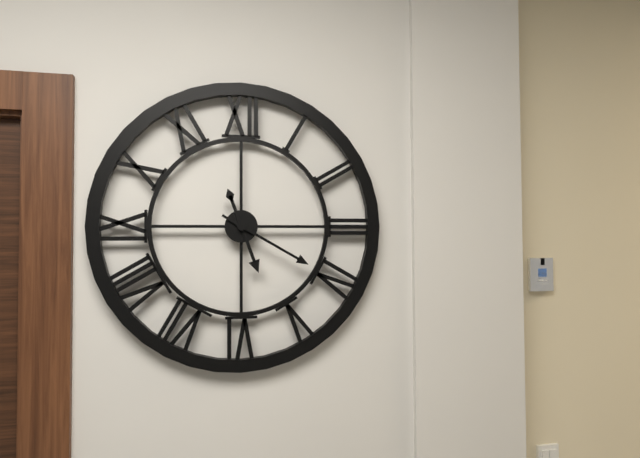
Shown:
**5:20**
